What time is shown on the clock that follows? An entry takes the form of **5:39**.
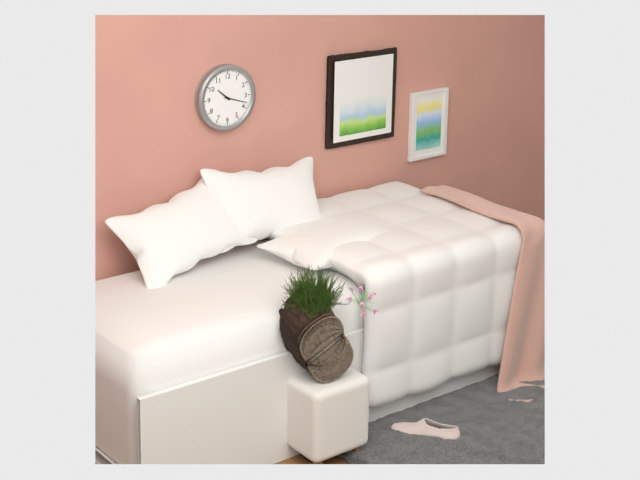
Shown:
**10:18**
